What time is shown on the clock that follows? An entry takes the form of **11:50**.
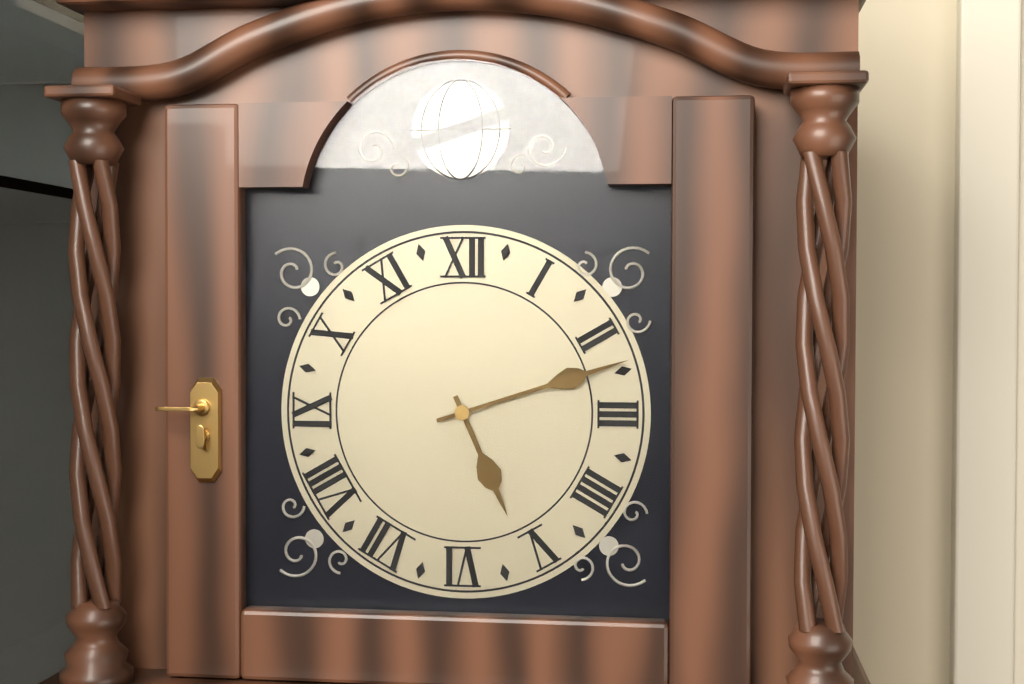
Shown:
**5:12**
